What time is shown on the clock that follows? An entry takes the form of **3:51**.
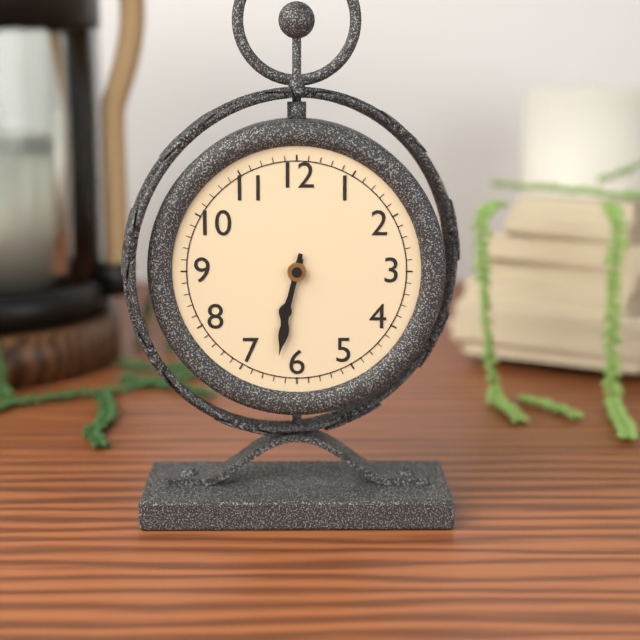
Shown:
**6:32**
